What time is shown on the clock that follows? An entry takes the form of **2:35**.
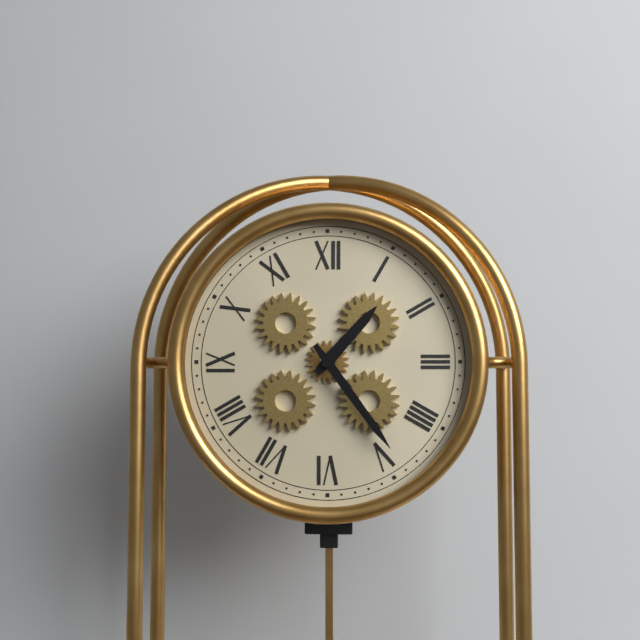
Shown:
**1:24**
